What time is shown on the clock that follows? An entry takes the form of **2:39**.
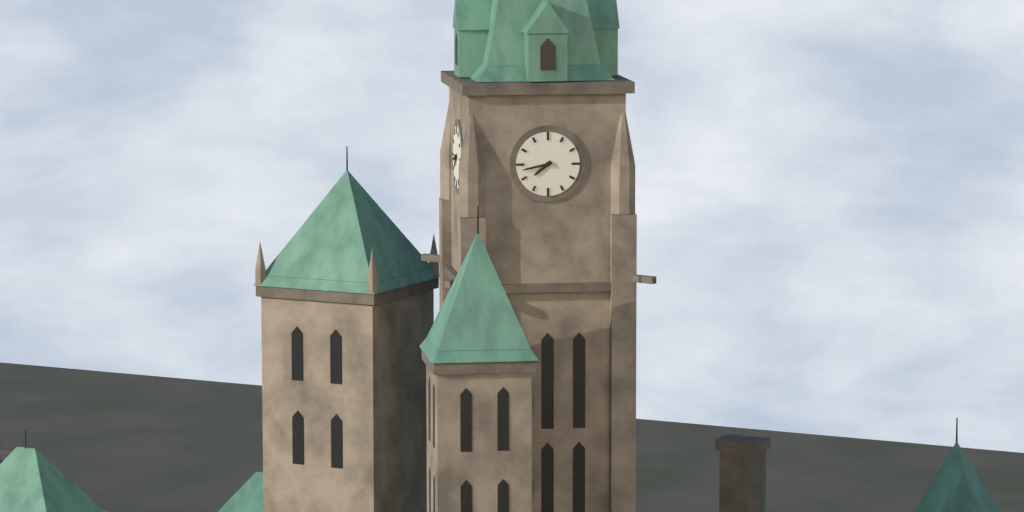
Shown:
**7:43**
